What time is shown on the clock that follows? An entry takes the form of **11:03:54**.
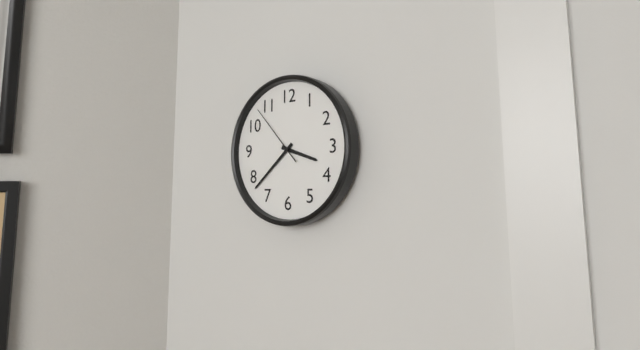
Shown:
**3:38:53**
